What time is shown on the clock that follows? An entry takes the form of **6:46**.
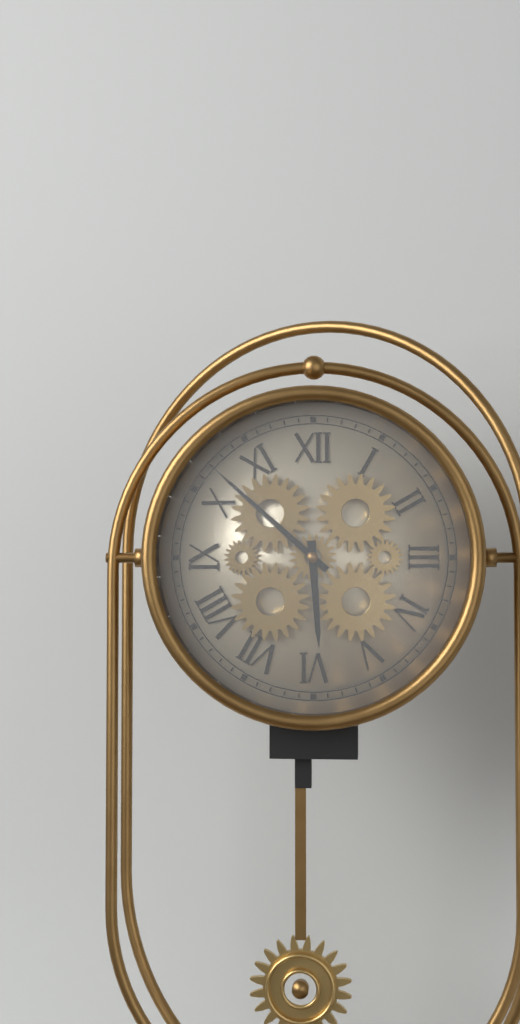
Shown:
**5:52**
